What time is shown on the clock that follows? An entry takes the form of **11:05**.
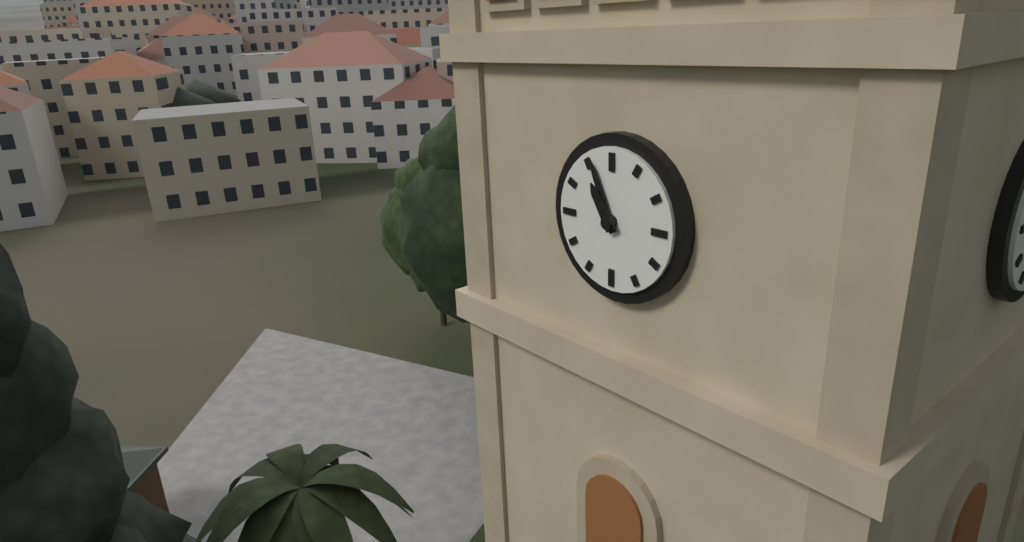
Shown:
**10:56**
